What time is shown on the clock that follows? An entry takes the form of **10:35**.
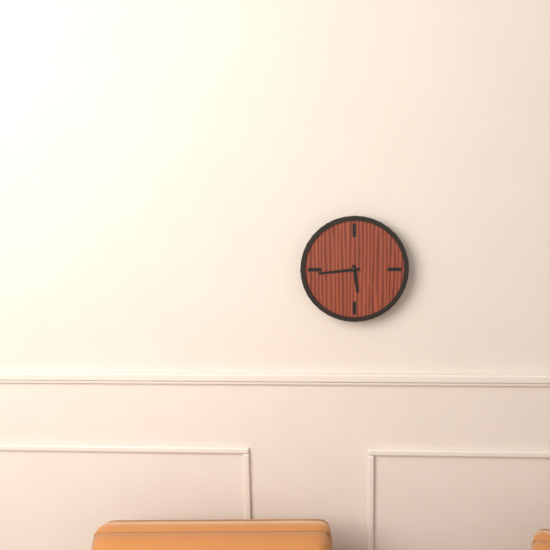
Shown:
**5:44**
